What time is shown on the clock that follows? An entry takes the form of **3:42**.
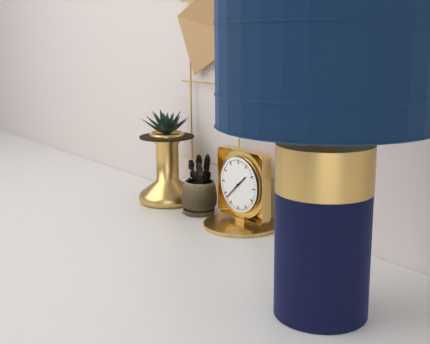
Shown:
**1:38**
